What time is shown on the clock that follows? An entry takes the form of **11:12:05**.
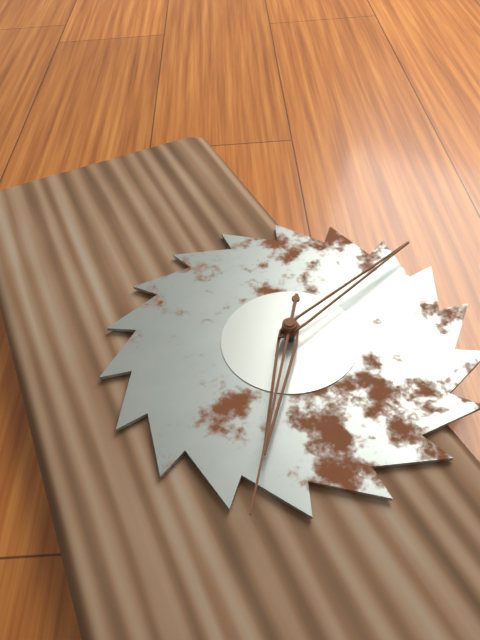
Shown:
**7:12:36**
